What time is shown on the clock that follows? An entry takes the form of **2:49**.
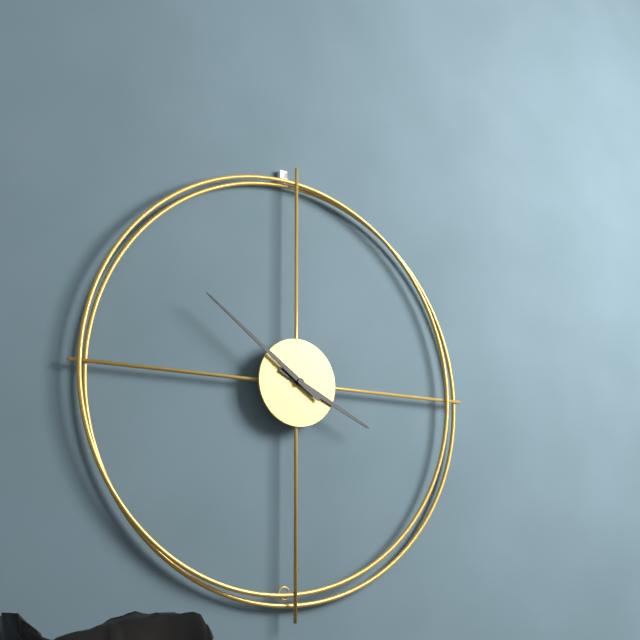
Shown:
**3:51**
